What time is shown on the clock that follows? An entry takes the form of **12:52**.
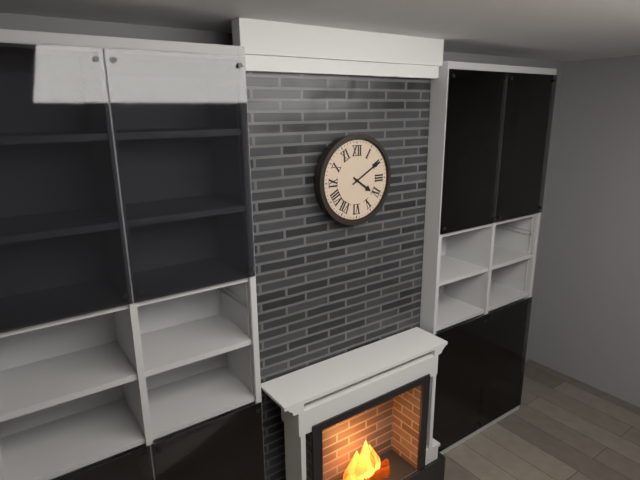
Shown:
**4:10**
